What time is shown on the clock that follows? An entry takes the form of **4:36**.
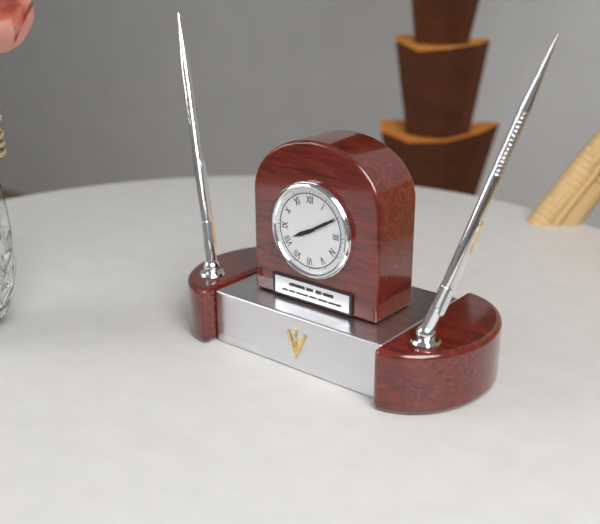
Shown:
**8:10**
